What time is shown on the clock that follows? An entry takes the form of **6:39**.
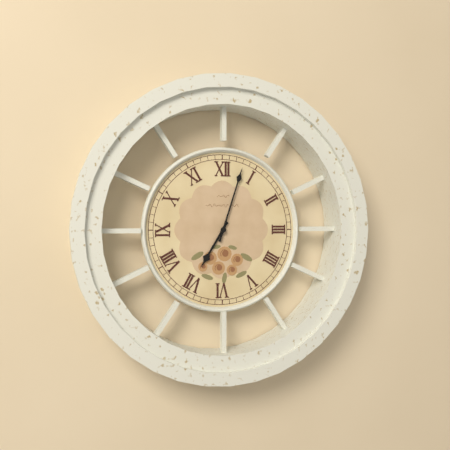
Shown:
**7:03**
